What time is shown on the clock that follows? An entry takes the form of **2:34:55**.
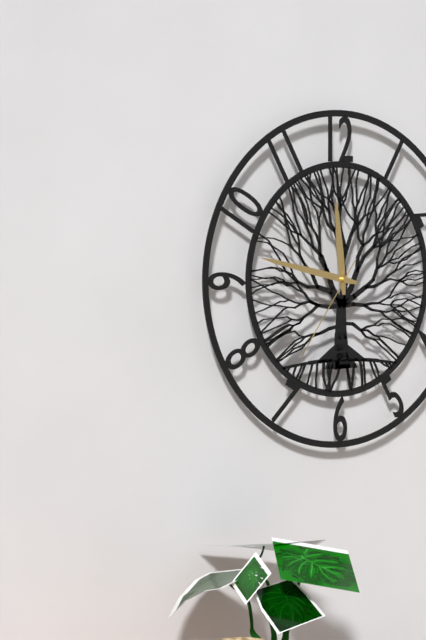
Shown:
**11:47:36**
